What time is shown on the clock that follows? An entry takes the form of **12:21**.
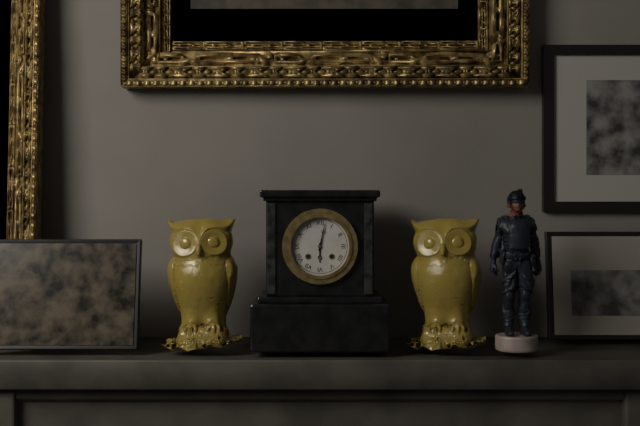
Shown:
**6:02**
